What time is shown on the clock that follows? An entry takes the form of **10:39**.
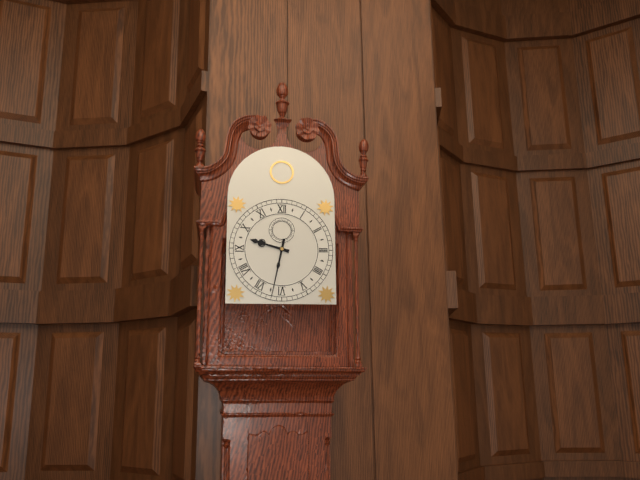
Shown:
**9:32**
